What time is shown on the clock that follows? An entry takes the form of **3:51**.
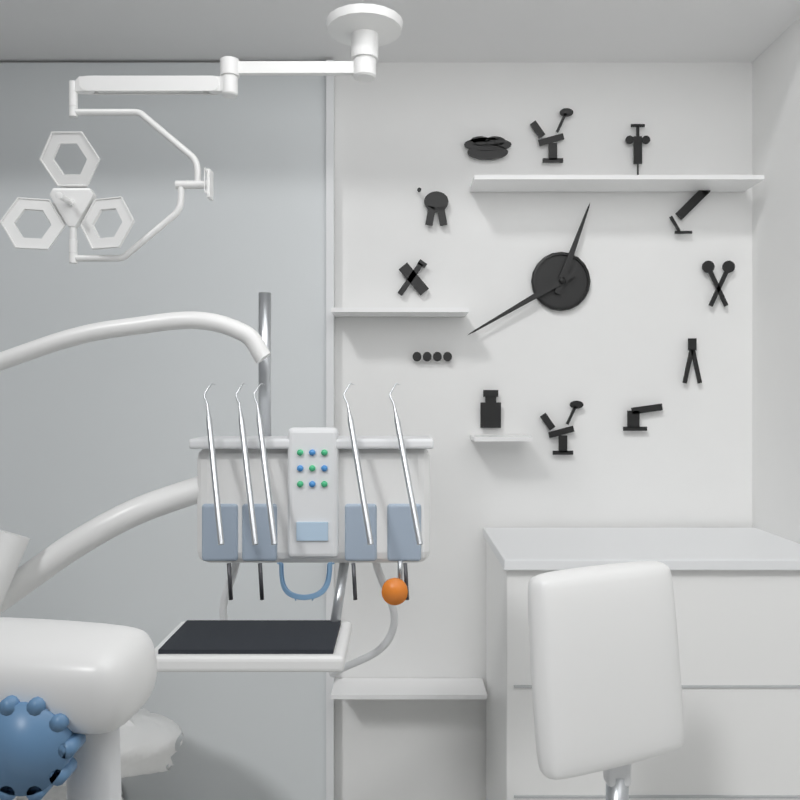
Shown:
**12:40**
